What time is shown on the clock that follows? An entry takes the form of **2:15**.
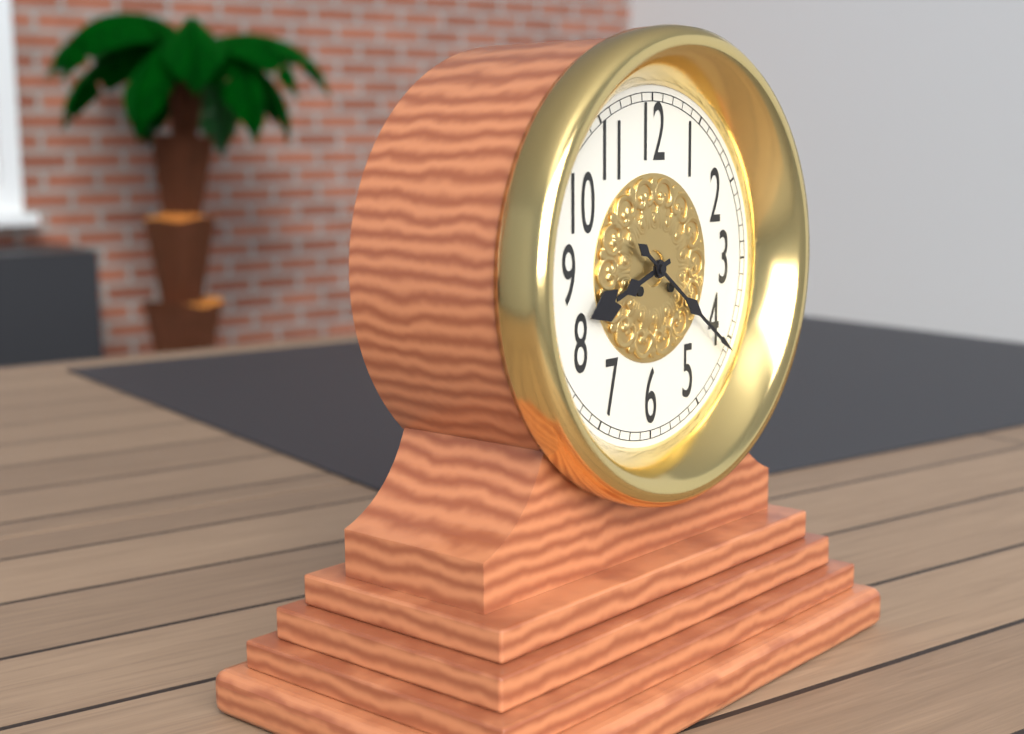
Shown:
**8:21**
